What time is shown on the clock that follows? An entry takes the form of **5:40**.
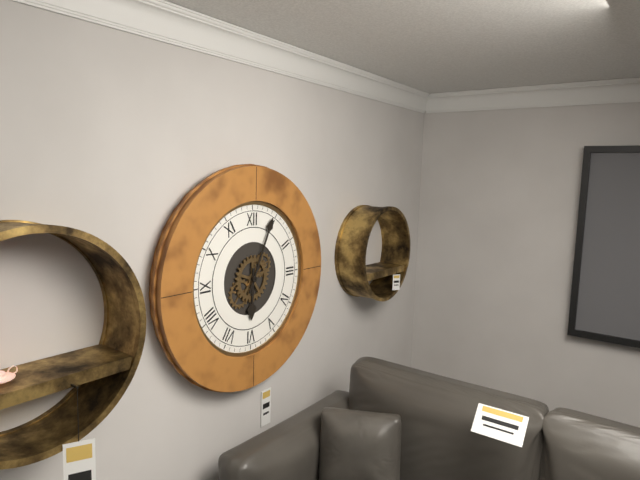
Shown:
**6:04**
